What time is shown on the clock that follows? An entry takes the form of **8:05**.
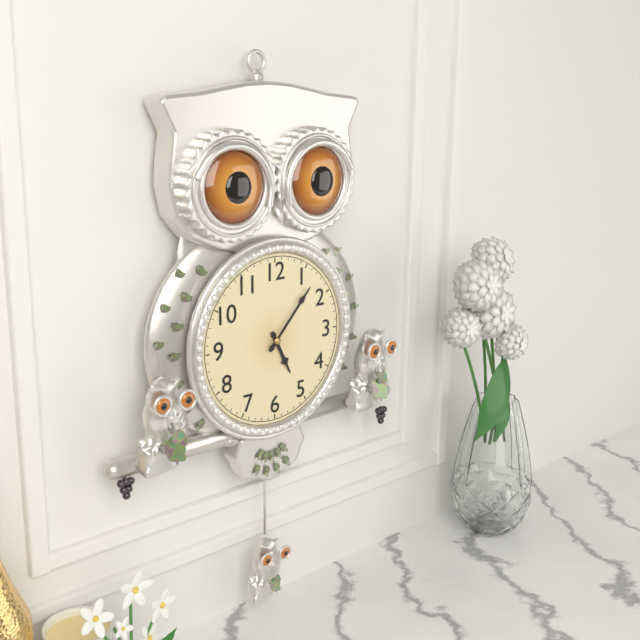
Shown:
**5:07**
